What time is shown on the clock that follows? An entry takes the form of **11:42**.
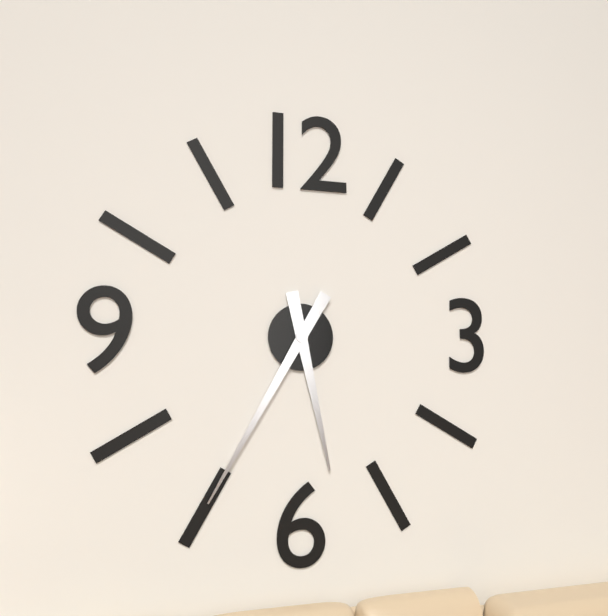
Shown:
**5:35**
